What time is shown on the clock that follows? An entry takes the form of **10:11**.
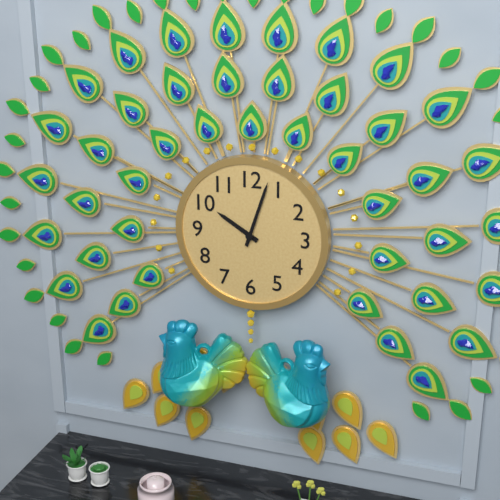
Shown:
**10:03**
